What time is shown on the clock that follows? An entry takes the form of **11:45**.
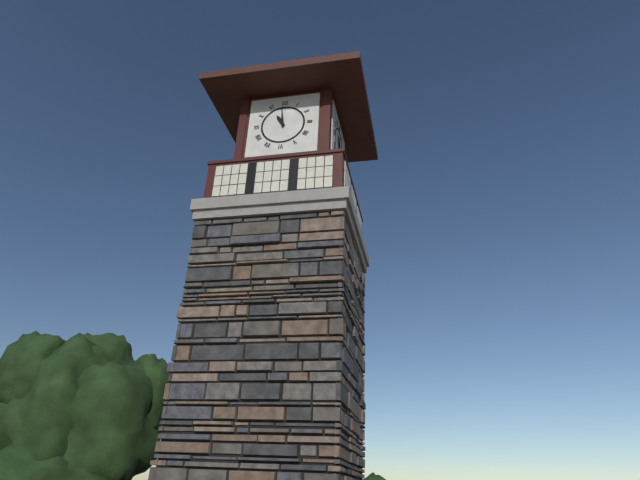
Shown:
**10:59**
